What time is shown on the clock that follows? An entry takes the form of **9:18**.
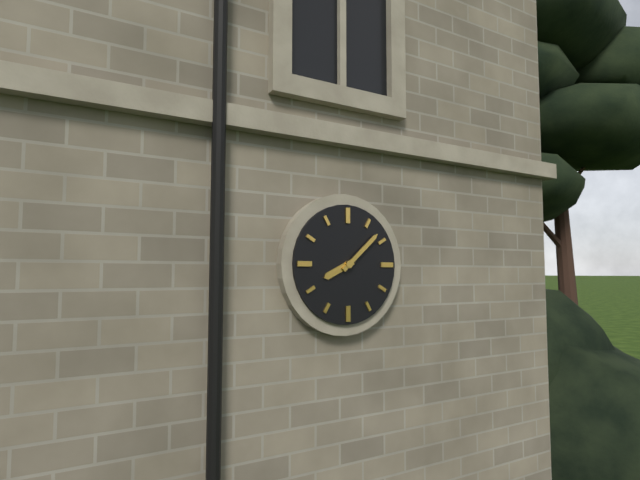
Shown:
**8:08**
